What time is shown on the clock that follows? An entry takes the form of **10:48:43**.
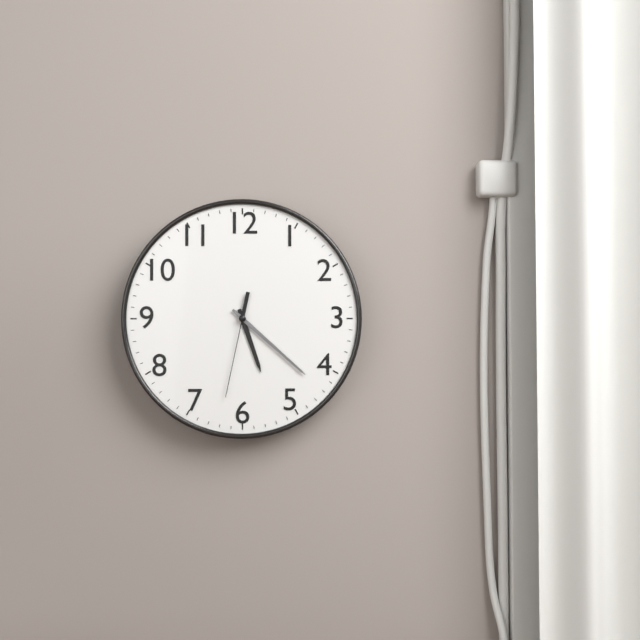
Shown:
**5:22:32**
